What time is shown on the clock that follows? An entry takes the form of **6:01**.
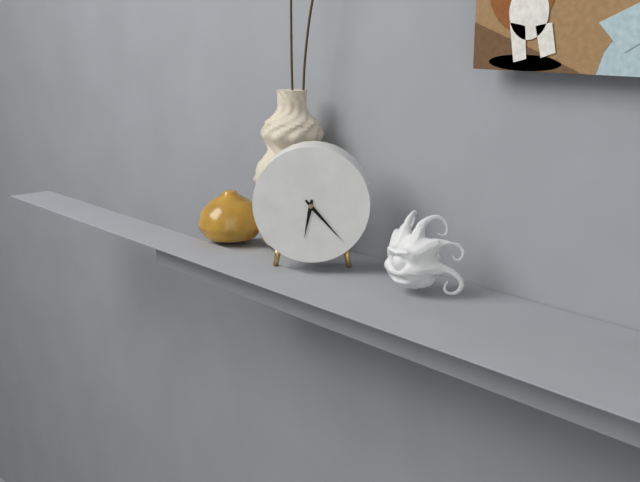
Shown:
**6:23**
